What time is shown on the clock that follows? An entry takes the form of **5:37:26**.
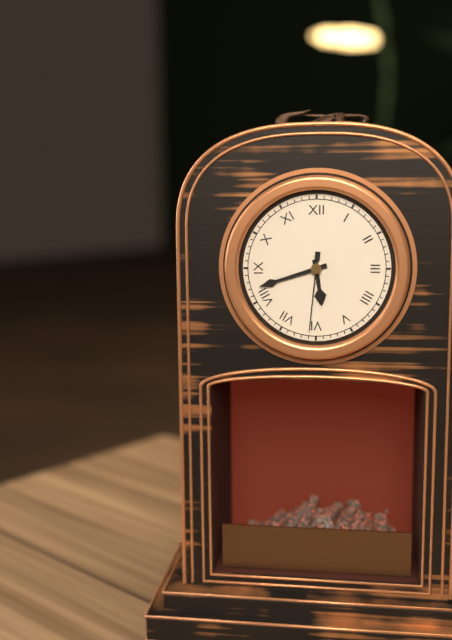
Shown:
**5:42:31**
